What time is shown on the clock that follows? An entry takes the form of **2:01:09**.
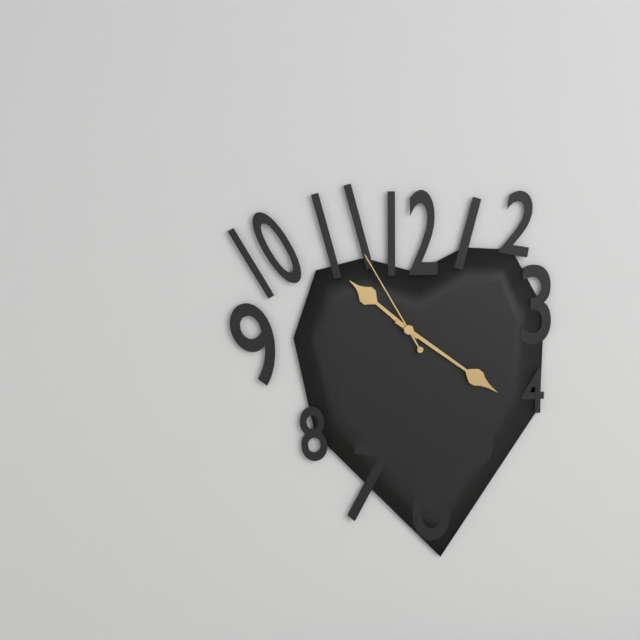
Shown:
**10:21:55**
